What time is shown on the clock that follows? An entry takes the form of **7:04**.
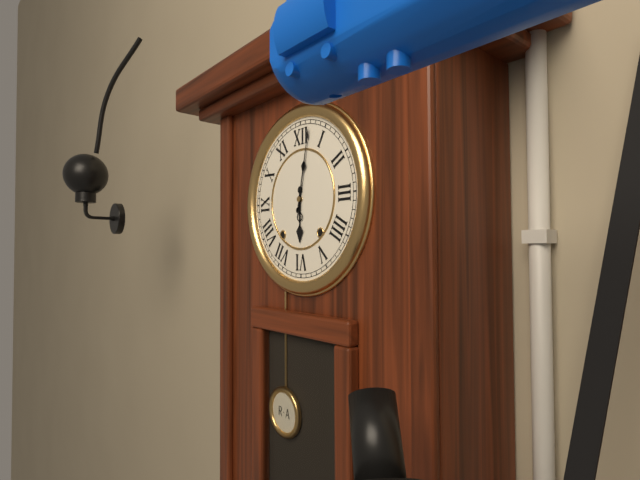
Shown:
**6:02**
